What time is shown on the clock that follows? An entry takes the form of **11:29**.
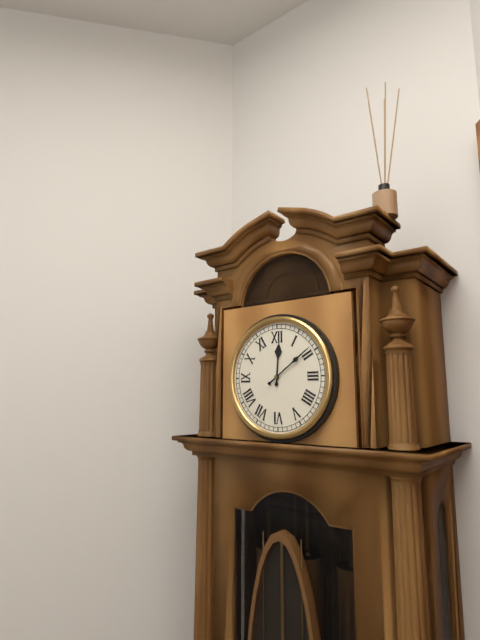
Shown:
**12:09**
